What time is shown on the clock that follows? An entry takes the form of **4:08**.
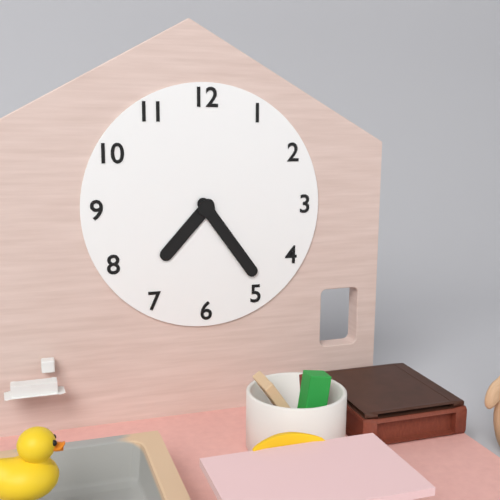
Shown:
**7:24**
